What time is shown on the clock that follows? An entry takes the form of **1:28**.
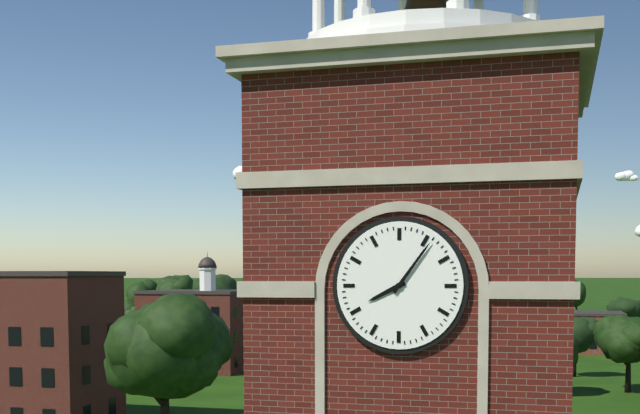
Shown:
**8:06**
